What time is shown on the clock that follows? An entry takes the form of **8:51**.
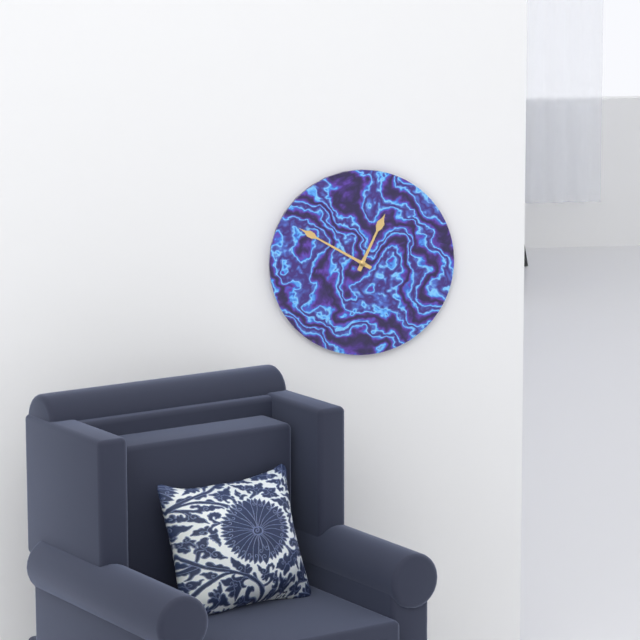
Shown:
**12:50**
